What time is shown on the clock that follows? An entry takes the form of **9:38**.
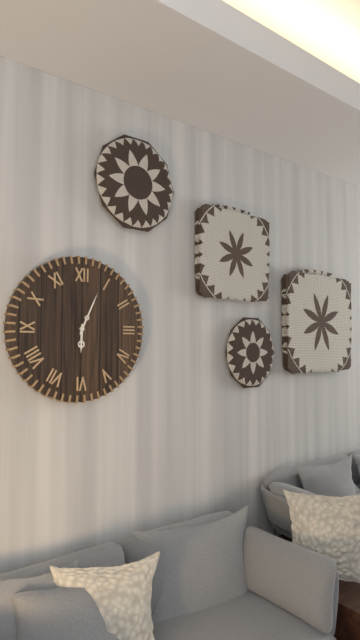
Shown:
**6:04**
